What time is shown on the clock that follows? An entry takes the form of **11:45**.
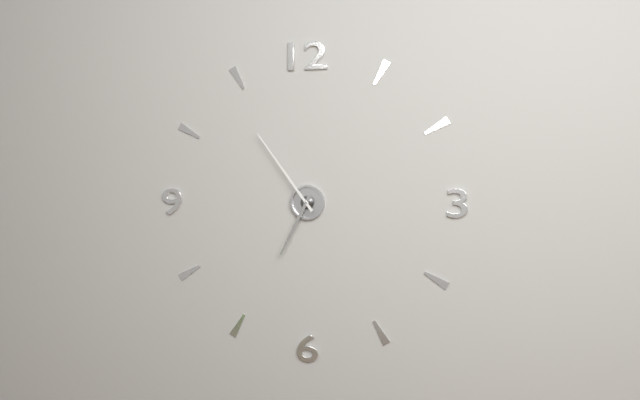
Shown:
**6:54**
